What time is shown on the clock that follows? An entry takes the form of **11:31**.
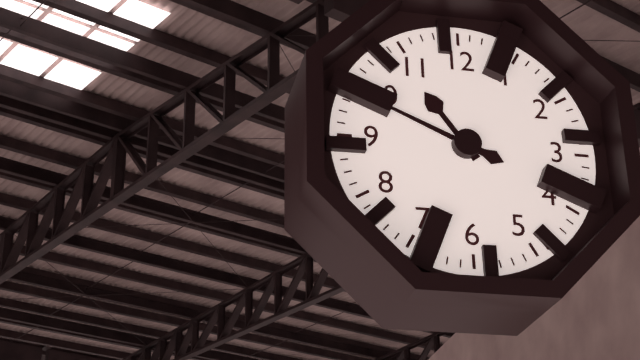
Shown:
**10:49**
